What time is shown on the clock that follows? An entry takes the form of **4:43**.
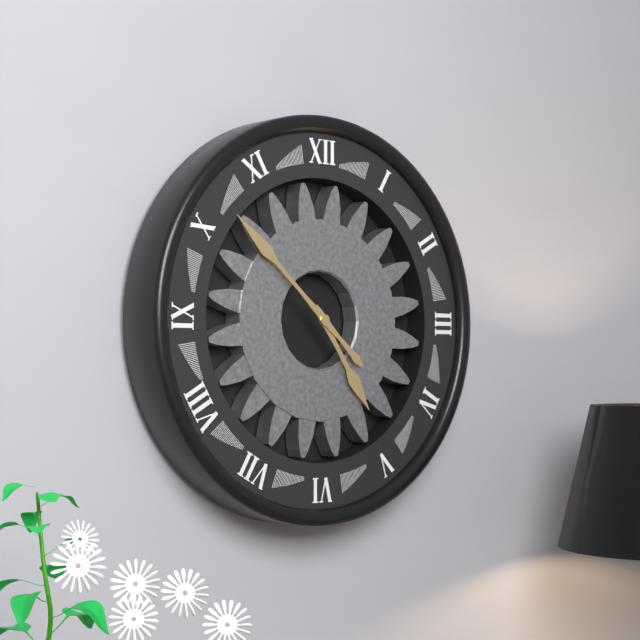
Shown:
**4:52**
